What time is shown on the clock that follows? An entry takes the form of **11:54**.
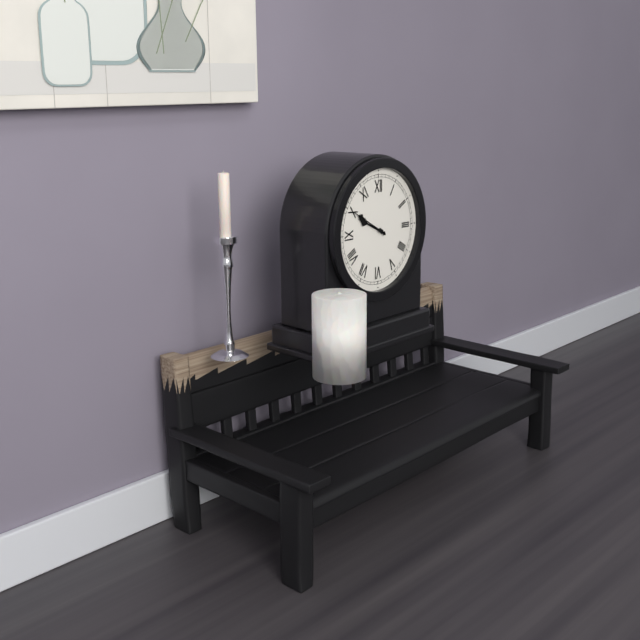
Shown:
**9:50**
